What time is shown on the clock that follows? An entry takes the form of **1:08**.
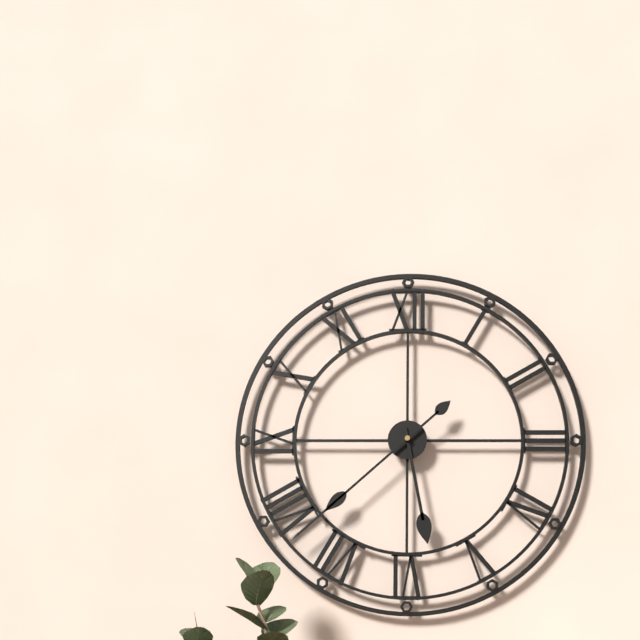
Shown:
**5:38**
